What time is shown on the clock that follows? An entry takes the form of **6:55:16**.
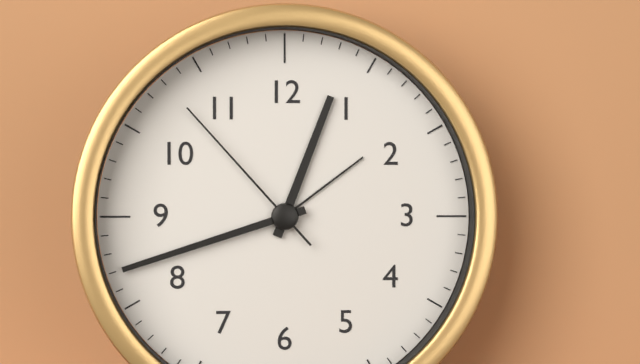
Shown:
**12:42:53**
